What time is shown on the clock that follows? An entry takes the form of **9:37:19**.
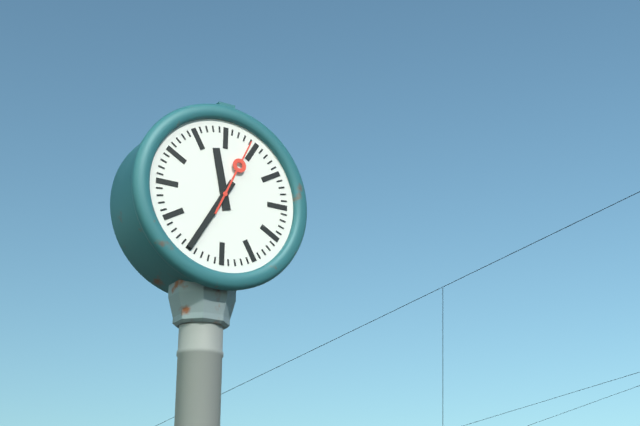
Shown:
**11:35:04**
